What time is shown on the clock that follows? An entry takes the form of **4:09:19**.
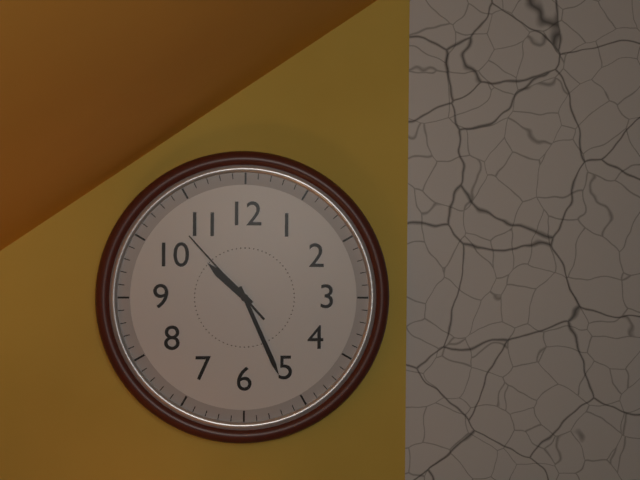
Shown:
**10:26:53**
